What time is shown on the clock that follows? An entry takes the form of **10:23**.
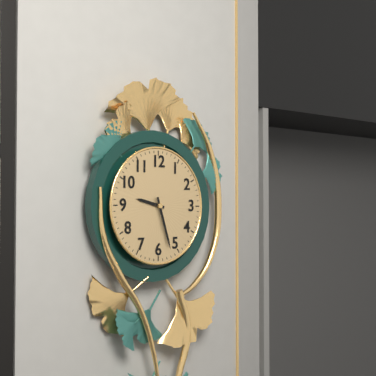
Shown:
**9:27**
